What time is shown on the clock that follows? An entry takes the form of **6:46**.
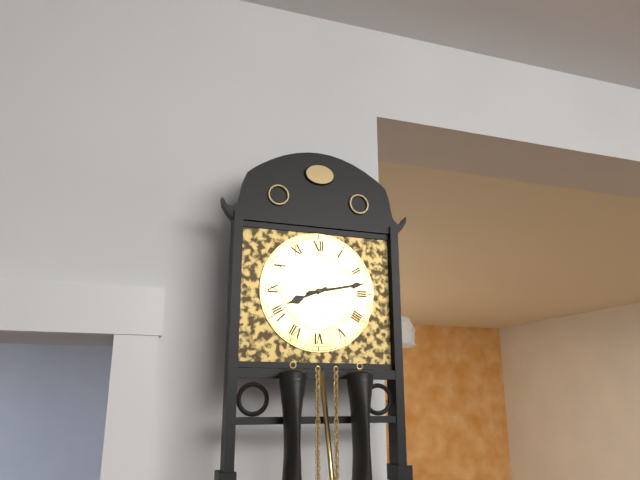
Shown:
**8:13**
